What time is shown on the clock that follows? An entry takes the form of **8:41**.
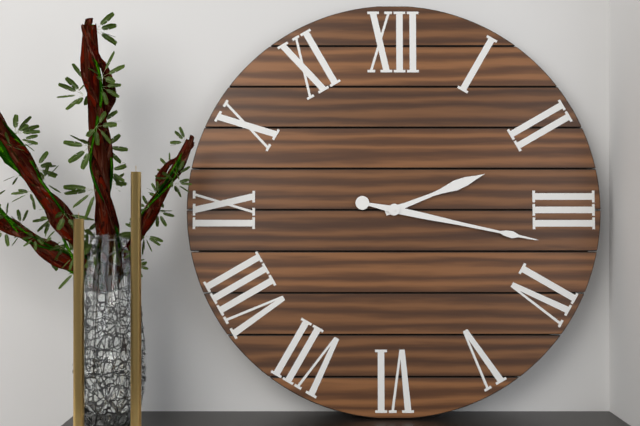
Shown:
**2:17**
